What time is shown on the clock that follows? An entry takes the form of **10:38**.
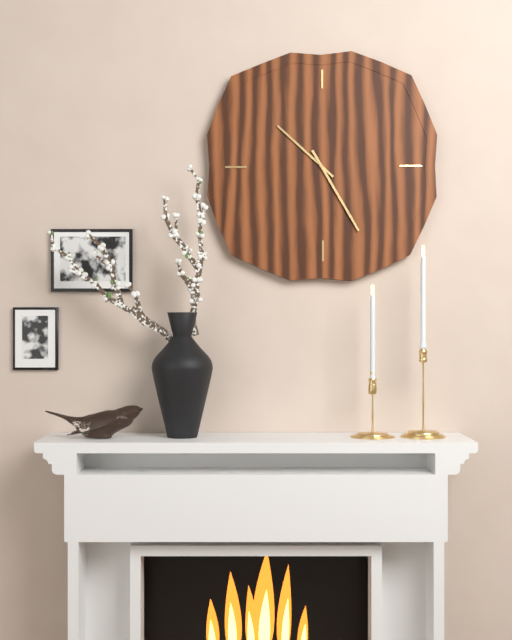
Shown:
**10:25**
